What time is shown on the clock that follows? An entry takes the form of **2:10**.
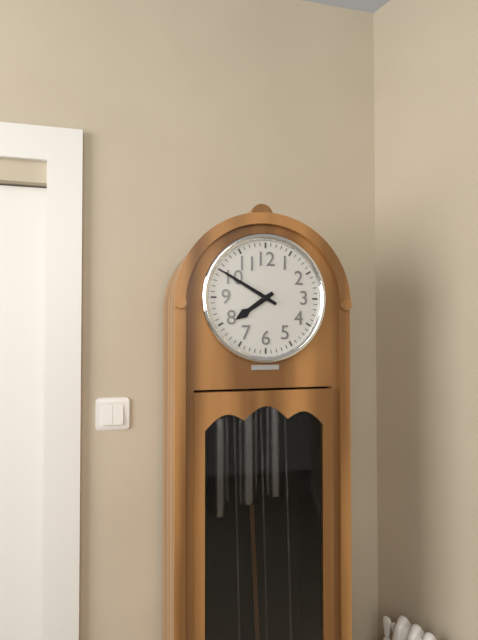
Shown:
**7:50**
